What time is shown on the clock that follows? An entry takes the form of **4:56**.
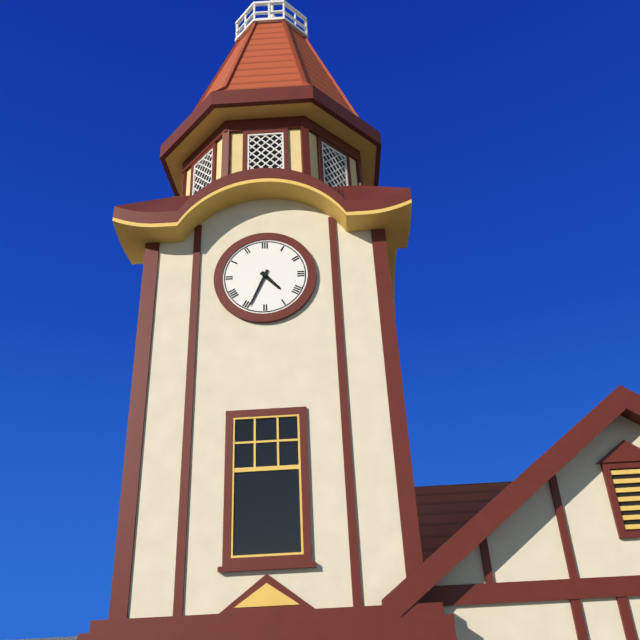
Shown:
**4:34**
